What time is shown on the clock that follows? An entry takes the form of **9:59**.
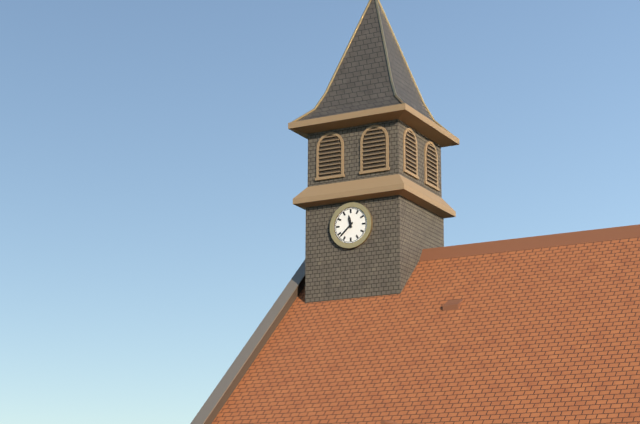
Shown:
**11:38**
